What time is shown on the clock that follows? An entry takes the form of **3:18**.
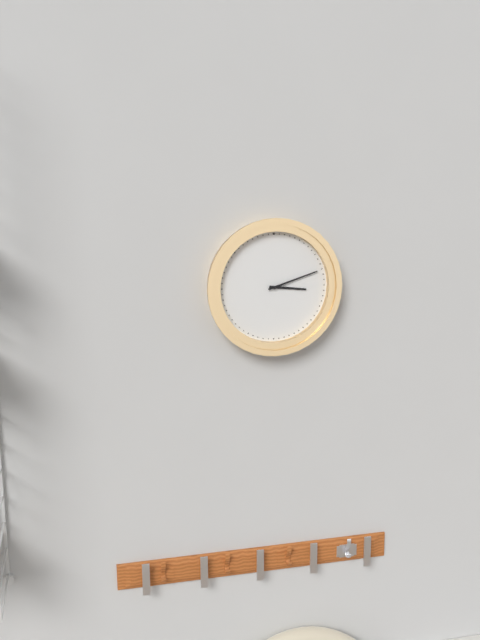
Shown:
**3:12**
